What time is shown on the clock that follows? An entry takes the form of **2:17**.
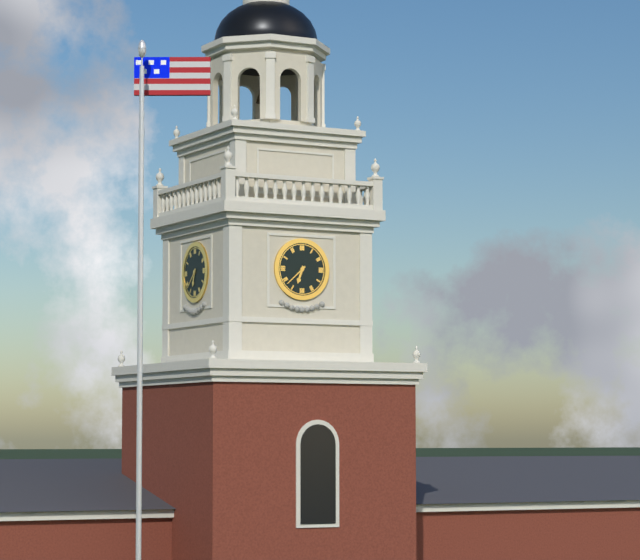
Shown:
**6:38**
